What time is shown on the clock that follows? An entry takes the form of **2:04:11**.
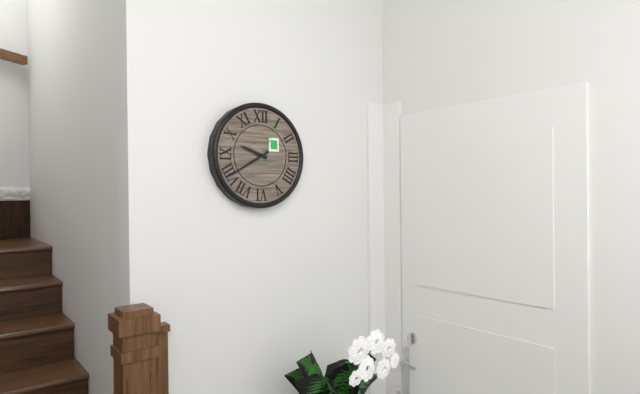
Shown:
**9:40:05**
